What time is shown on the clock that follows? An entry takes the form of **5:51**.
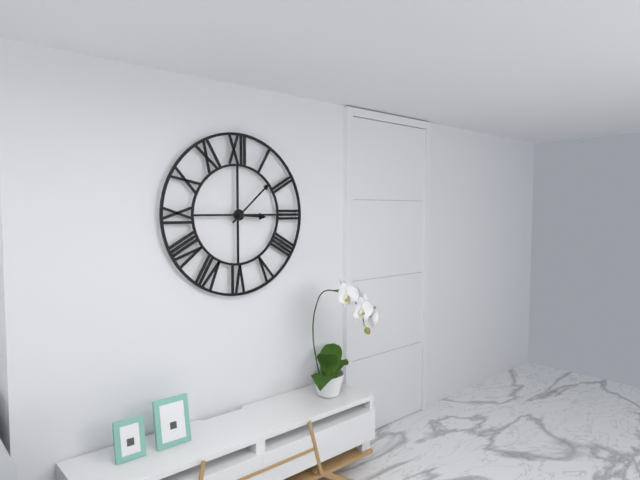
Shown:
**3:08**
